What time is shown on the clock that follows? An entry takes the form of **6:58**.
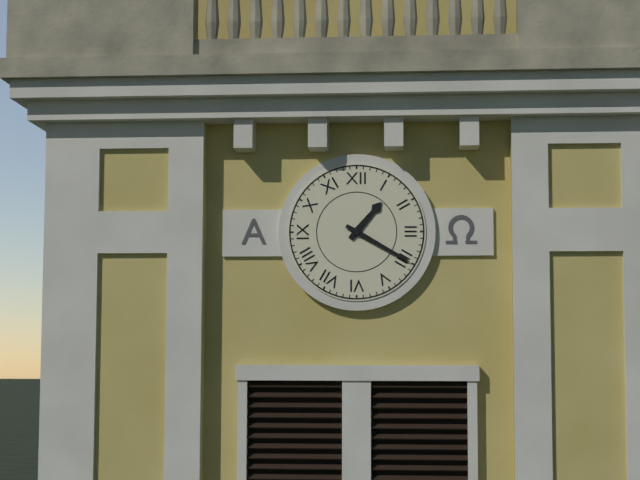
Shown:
**1:20**
